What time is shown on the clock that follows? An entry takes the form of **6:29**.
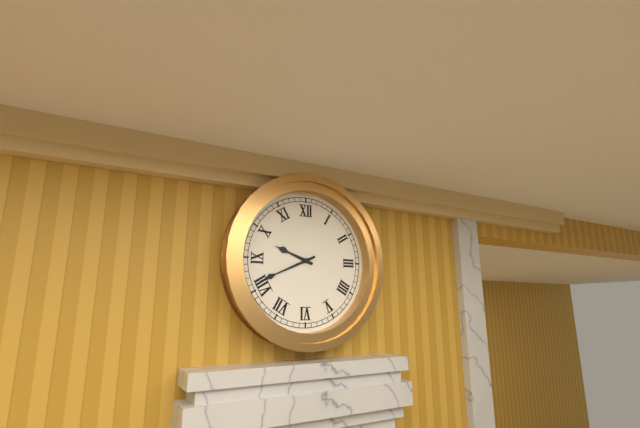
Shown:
**9:41**
